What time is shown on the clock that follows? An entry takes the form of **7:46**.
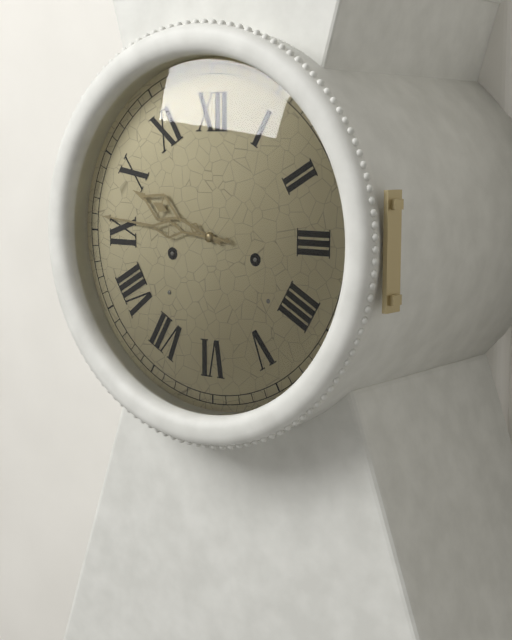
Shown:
**9:46**
